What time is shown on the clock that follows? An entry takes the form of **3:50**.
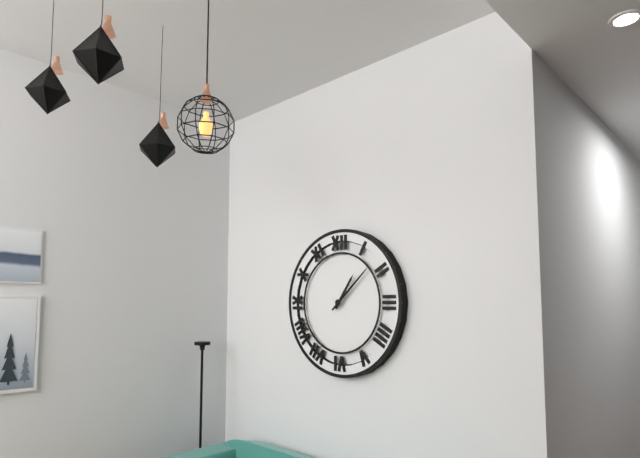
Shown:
**1:08**
